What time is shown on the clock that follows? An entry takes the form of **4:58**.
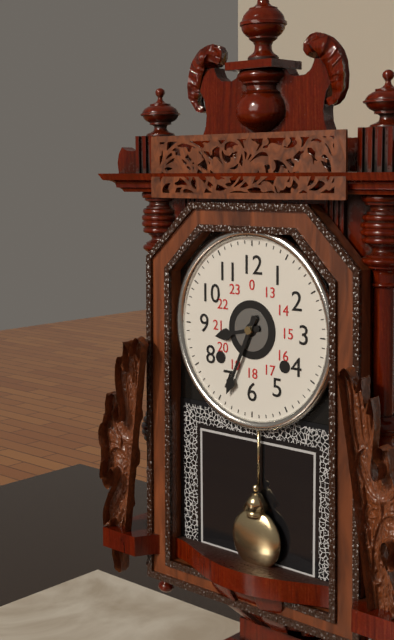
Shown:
**8:34**
